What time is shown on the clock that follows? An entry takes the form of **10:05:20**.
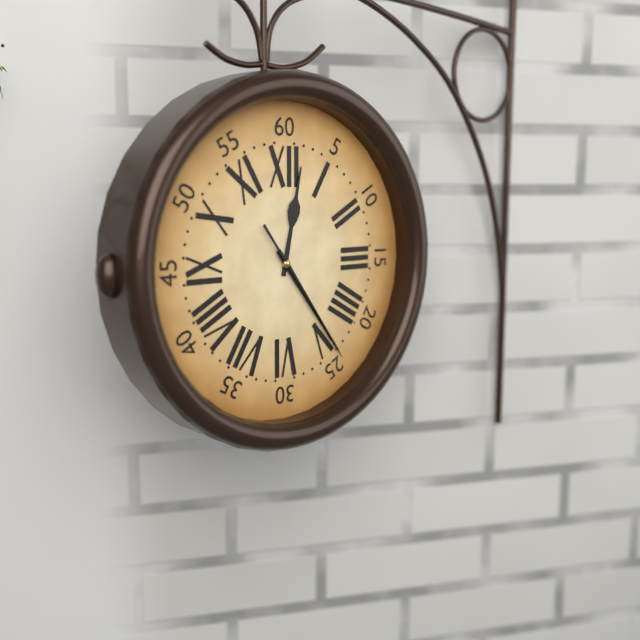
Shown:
**12:24:24**
